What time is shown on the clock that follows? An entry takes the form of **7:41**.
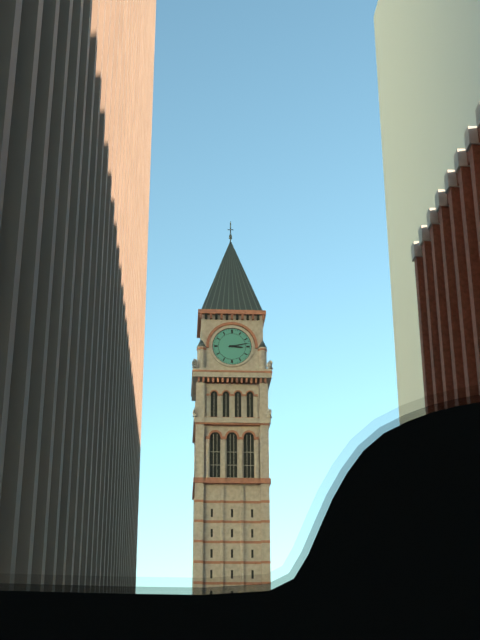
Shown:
**3:13**
